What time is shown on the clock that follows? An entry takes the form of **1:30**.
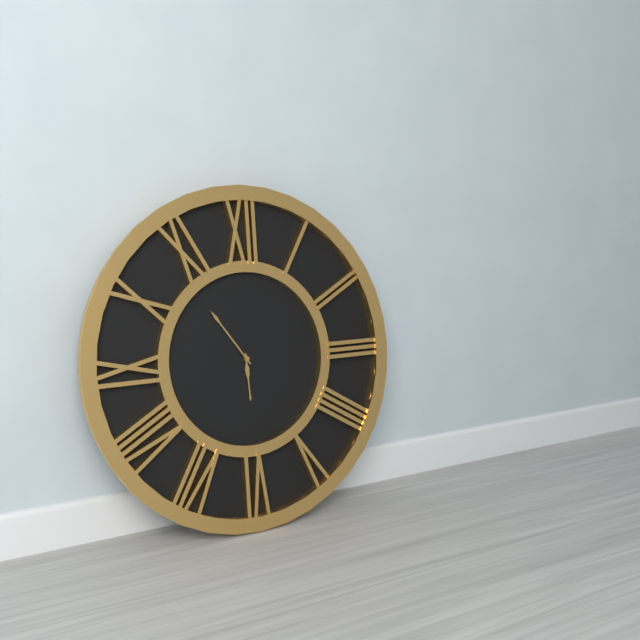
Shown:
**5:54**
